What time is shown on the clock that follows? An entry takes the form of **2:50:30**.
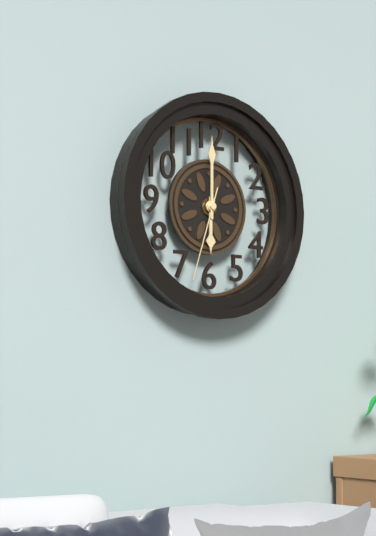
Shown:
**6:00:33**
